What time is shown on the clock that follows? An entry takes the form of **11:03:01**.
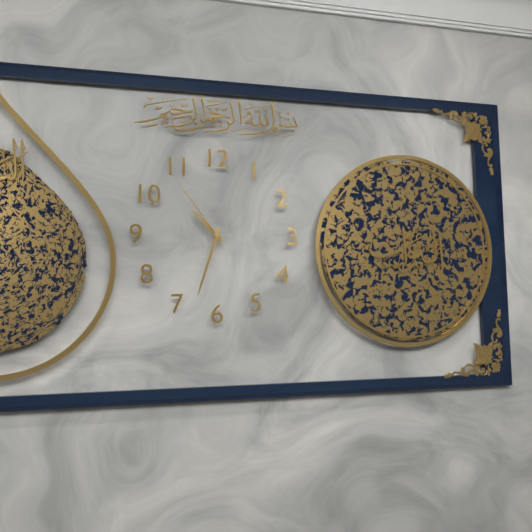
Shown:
**10:33:54**
